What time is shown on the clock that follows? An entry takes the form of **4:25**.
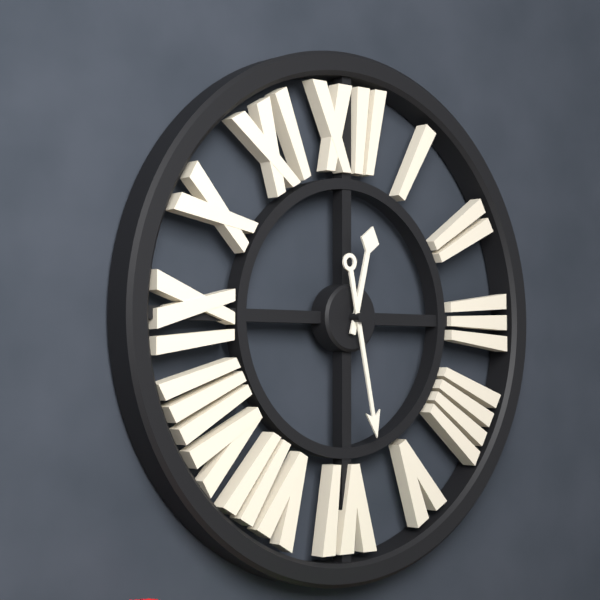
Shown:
**12:28**
